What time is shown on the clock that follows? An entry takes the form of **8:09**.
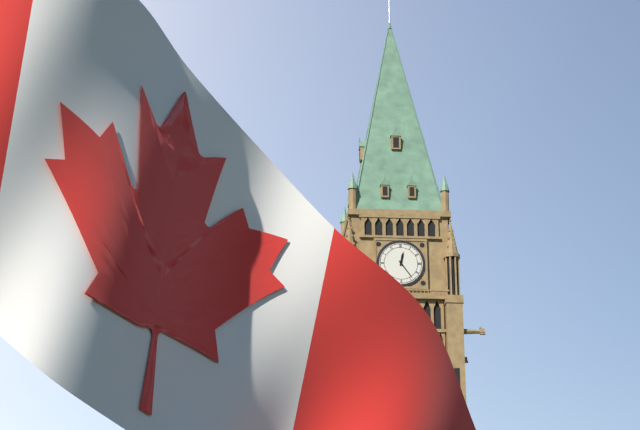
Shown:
**12:24**
